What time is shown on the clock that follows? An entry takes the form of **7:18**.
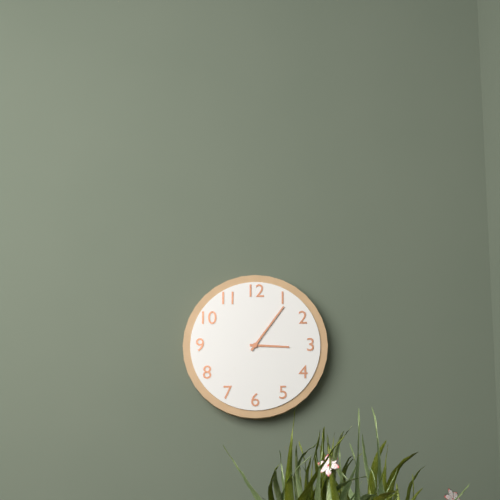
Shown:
**3:06**
